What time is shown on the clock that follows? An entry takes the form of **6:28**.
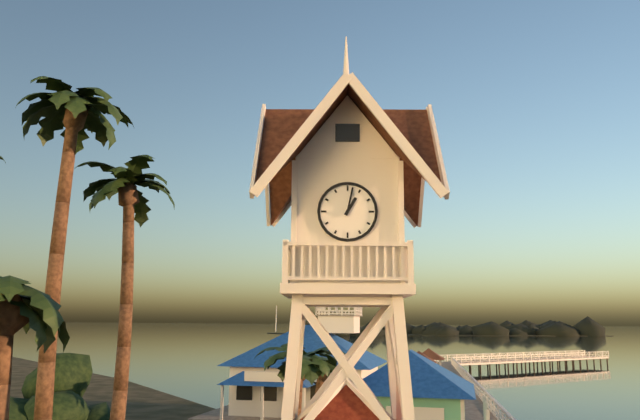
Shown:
**1:02**
